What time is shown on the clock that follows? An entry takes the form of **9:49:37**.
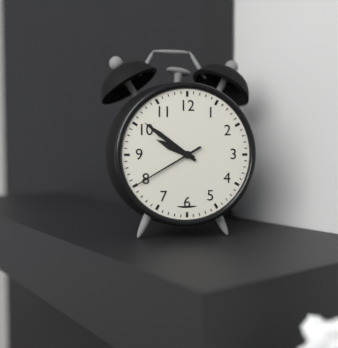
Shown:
**9:51:40**
